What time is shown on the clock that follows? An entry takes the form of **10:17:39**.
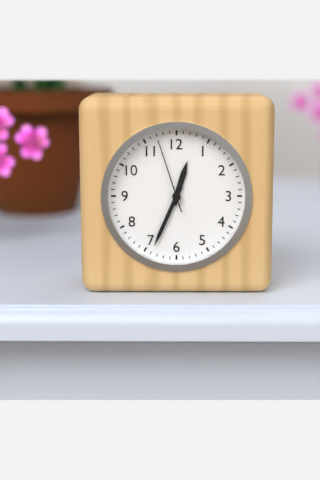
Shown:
**12:34:57**
